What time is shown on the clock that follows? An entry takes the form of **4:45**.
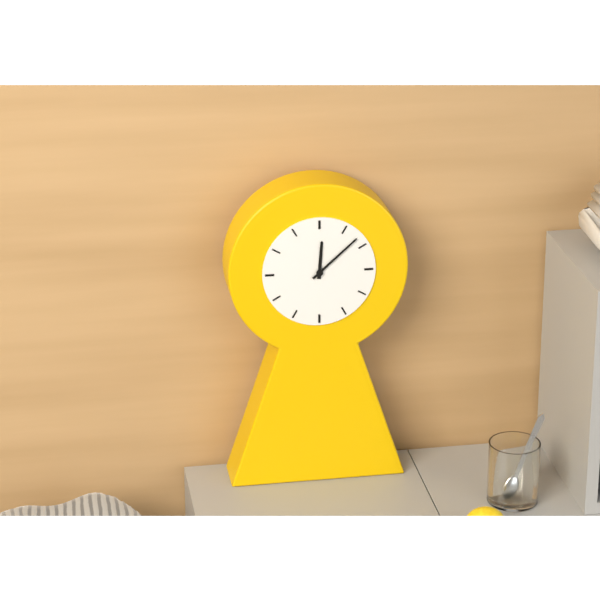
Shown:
**12:08**
